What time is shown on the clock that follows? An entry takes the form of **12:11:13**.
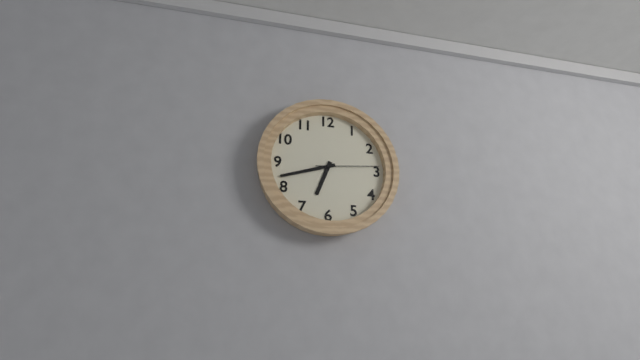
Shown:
**6:42:14**
